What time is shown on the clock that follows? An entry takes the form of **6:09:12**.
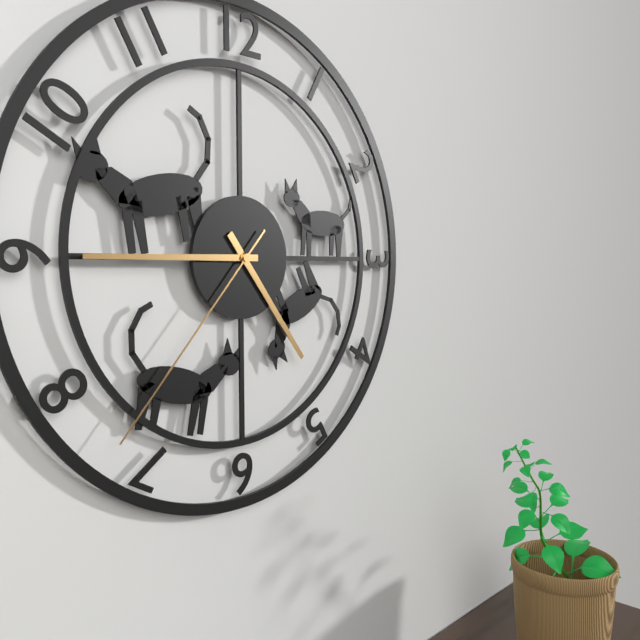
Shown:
**4:45:37**
